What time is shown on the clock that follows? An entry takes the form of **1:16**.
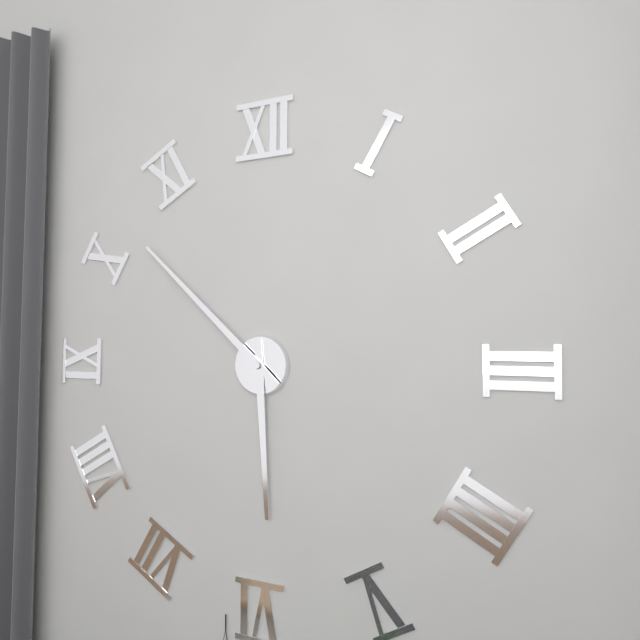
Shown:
**5:52**
